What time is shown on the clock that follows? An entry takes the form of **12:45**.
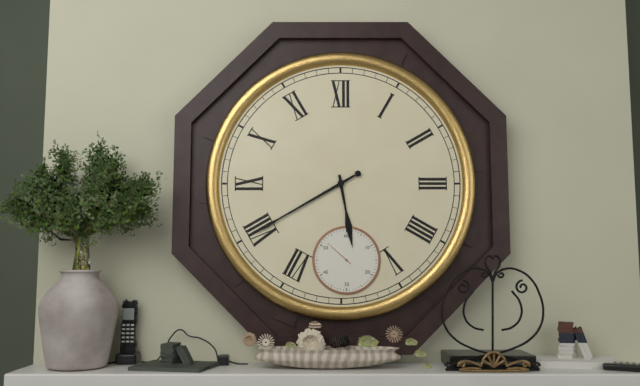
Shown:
**5:40**
